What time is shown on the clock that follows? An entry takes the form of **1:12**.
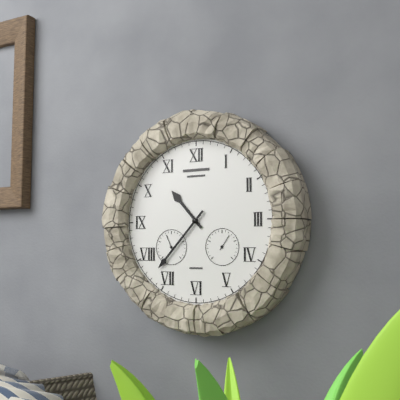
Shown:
**10:37**
